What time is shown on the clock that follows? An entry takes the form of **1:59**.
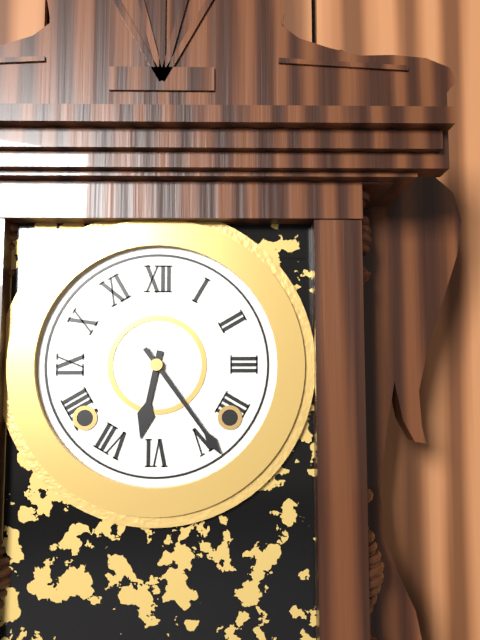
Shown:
**6:24**
